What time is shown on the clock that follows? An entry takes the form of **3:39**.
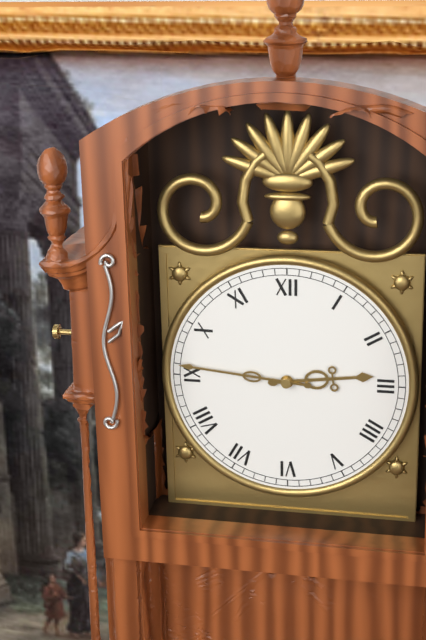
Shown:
**2:46**
